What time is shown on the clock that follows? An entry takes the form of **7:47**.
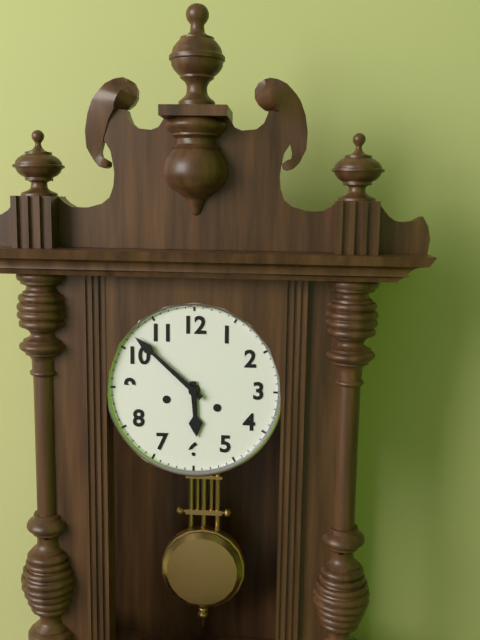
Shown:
**5:52**
